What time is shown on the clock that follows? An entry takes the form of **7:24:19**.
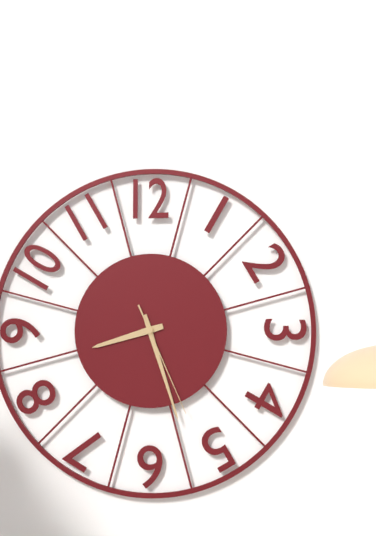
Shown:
**8:27:26**
